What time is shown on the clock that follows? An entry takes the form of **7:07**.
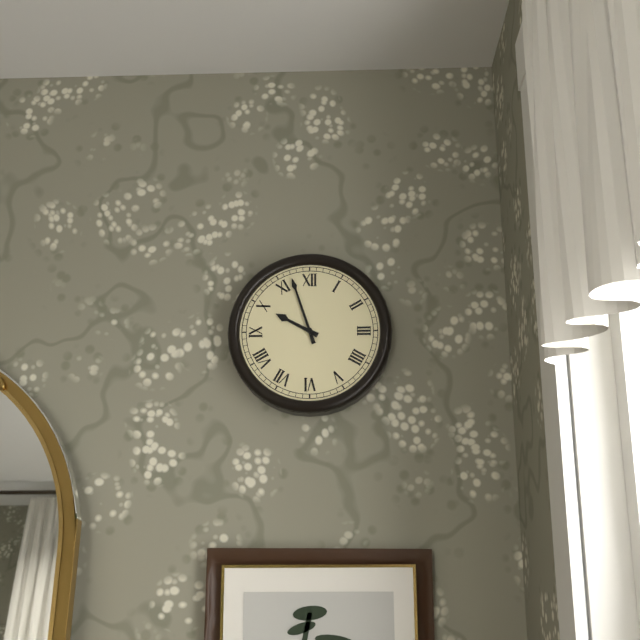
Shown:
**9:57**
